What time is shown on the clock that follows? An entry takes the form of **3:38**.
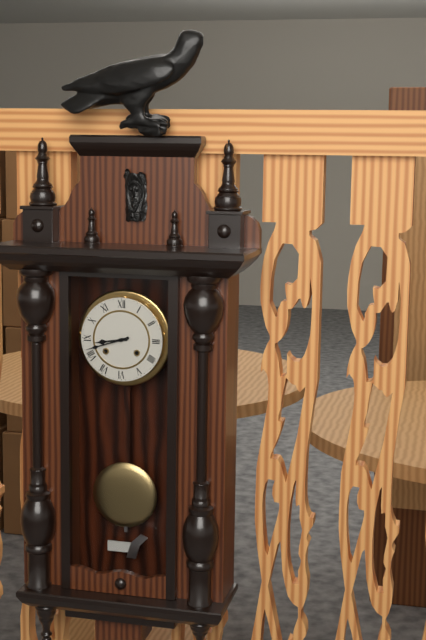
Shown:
**8:42**
